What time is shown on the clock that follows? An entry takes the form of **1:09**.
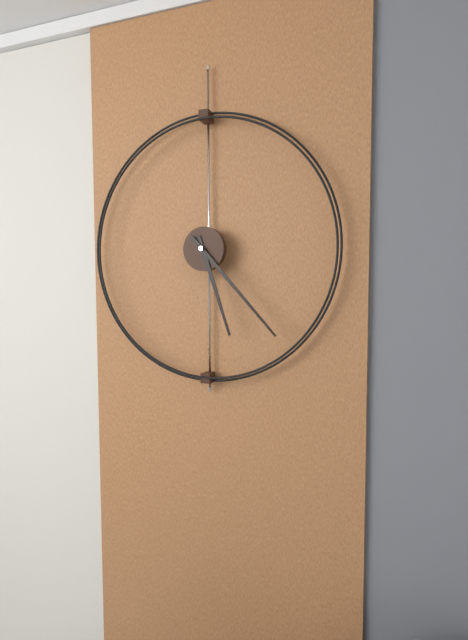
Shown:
**5:23**
